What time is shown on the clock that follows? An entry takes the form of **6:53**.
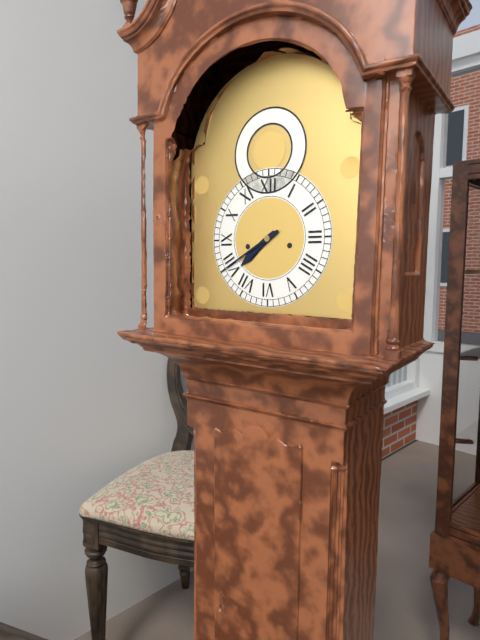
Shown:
**7:40**
